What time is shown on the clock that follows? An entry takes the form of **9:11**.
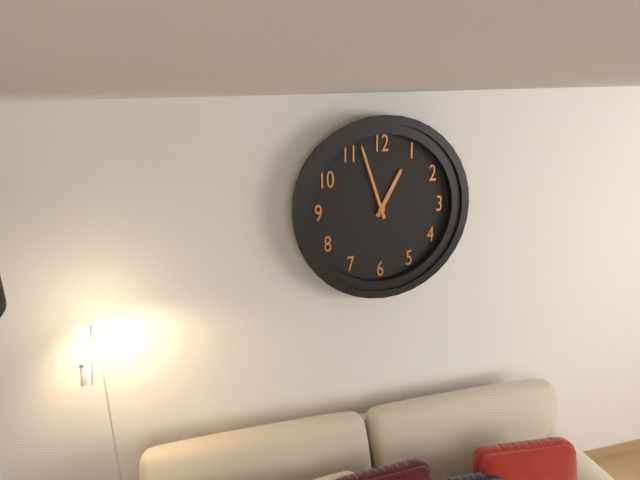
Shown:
**12:57**
